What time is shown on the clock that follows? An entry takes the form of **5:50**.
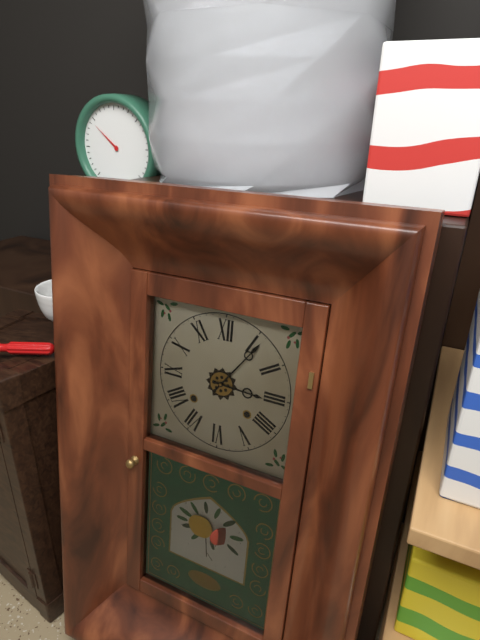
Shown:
**3:06**
